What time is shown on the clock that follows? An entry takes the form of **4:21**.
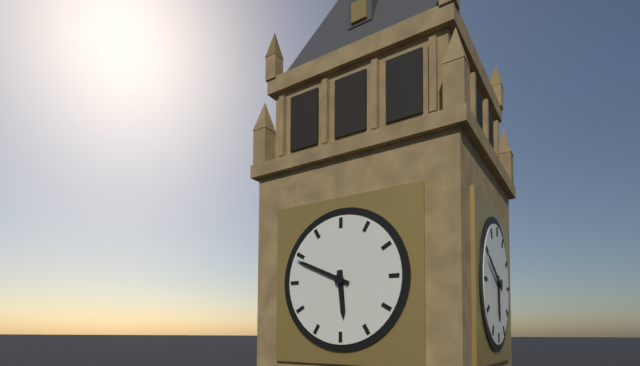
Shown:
**5:49**
